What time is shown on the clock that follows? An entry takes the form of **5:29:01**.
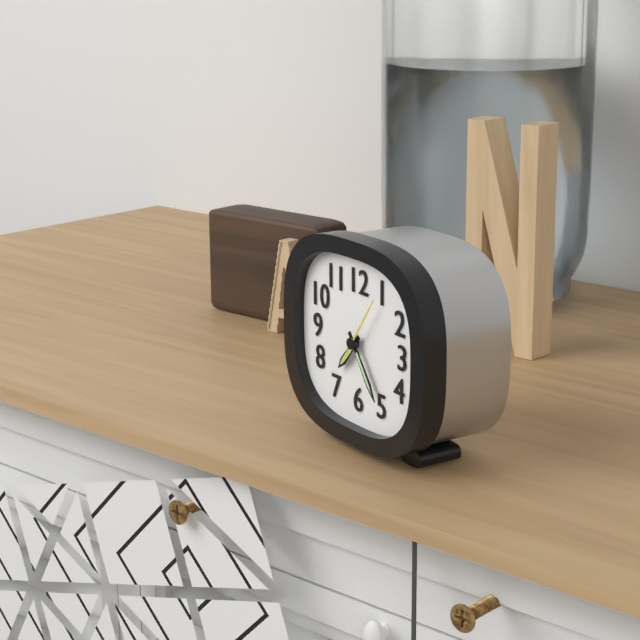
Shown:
**7:24:06**
